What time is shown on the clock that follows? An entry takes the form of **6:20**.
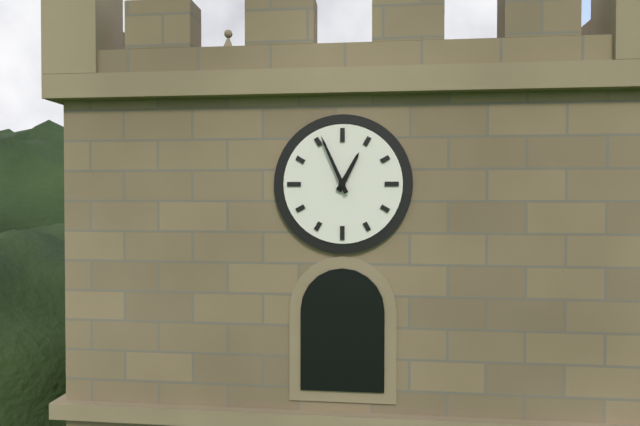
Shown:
**12:56**
